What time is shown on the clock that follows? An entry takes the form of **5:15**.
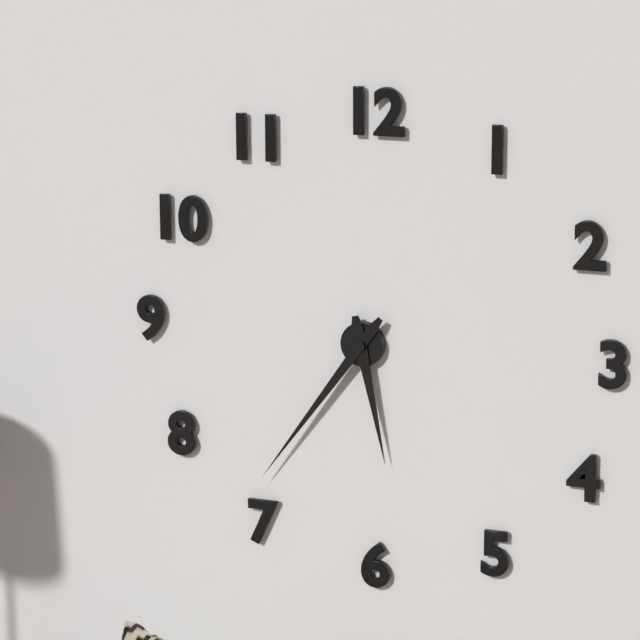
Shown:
**5:36**
